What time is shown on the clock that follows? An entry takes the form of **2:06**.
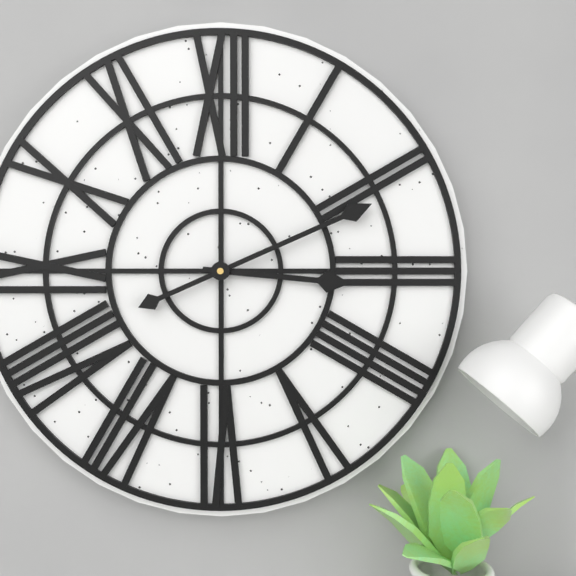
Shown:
**3:11**
